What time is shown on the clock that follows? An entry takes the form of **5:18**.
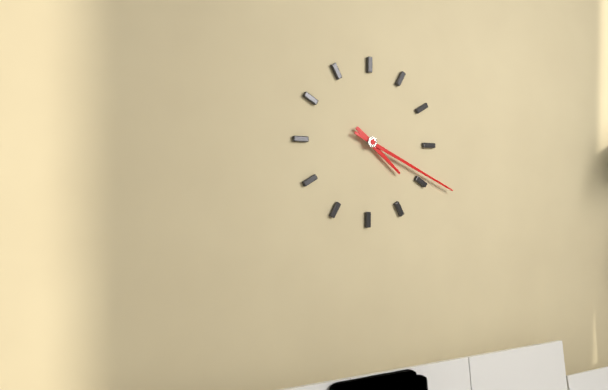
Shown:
**4:19**
